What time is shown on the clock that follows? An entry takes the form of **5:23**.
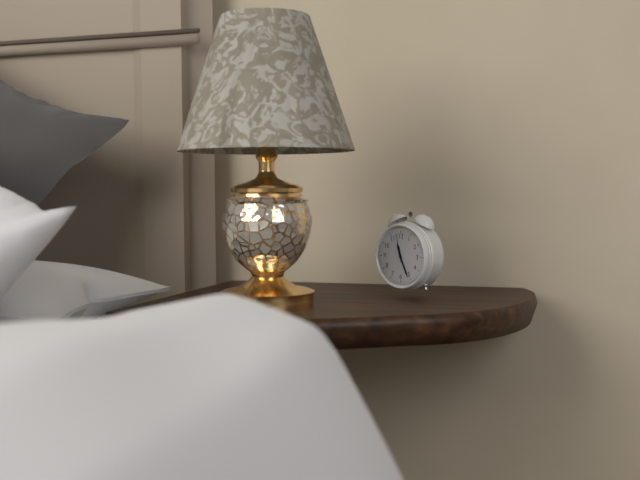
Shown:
**11:26**
